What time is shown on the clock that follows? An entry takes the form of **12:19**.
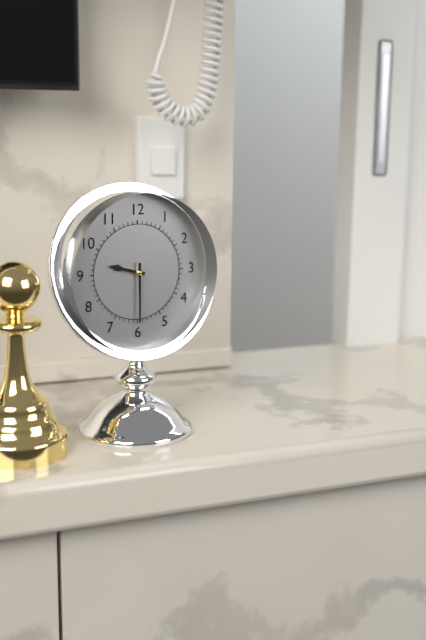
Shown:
**9:30**
